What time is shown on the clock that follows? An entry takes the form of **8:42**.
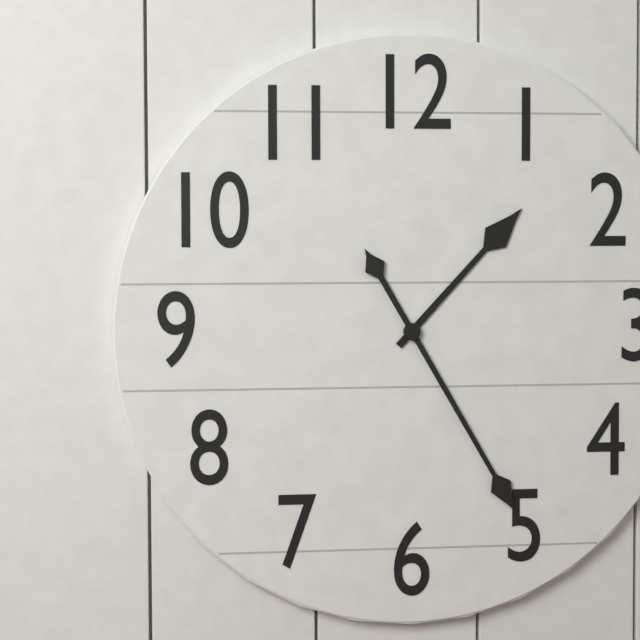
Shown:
**1:25**
